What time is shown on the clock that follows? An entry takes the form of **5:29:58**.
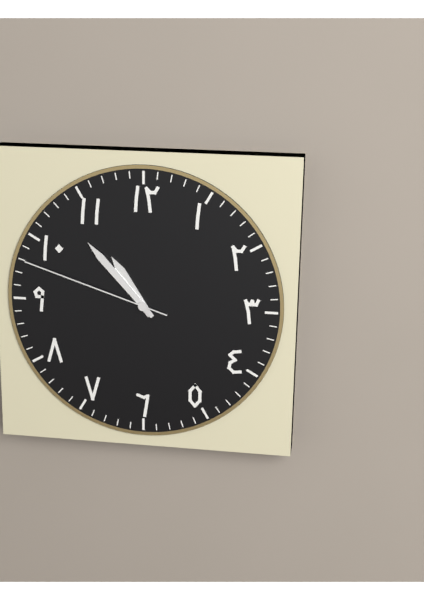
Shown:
**10:53:48**
